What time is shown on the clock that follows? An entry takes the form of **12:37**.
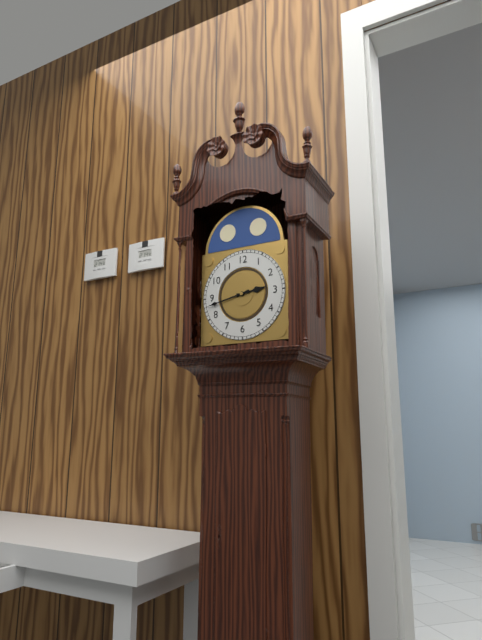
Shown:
**2:43**
